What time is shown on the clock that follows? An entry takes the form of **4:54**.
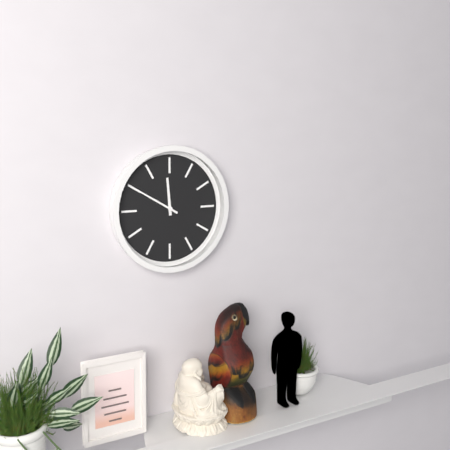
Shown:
**11:50**
